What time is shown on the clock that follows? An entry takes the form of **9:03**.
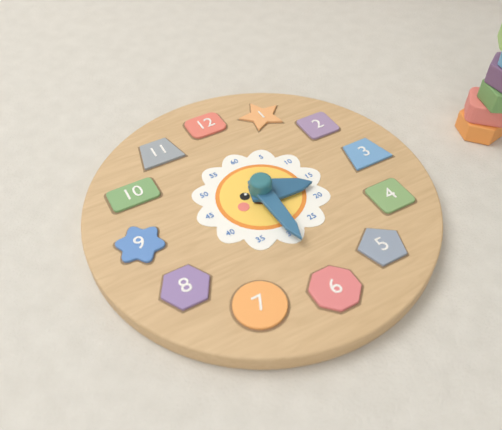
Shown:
**3:30**
